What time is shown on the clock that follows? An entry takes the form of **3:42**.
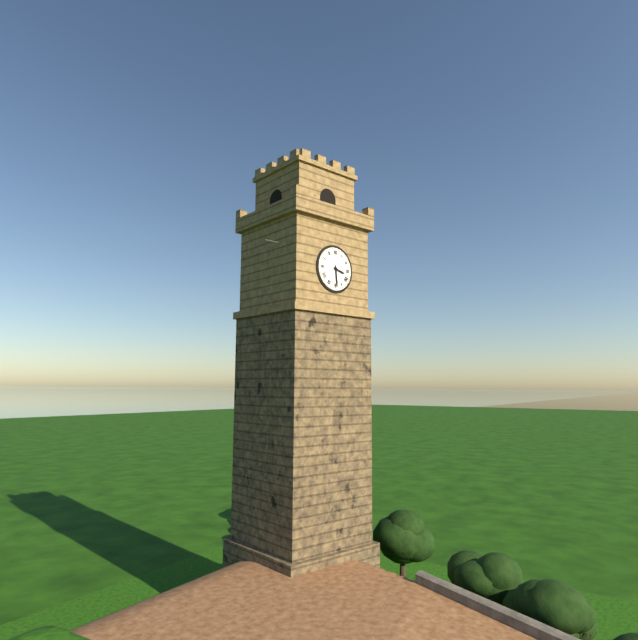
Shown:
**3:29**
